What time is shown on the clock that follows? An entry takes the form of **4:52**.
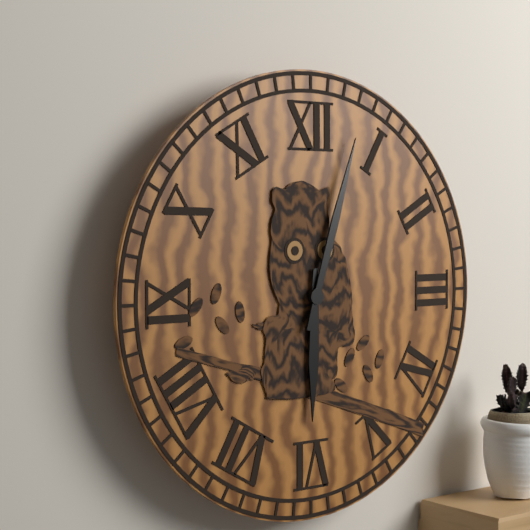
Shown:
**6:03**
